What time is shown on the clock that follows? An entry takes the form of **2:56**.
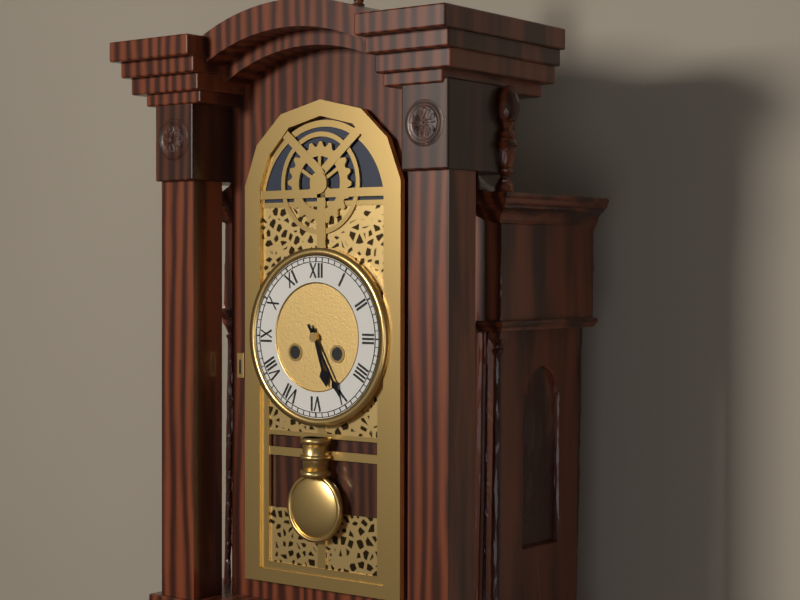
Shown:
**5:25**
